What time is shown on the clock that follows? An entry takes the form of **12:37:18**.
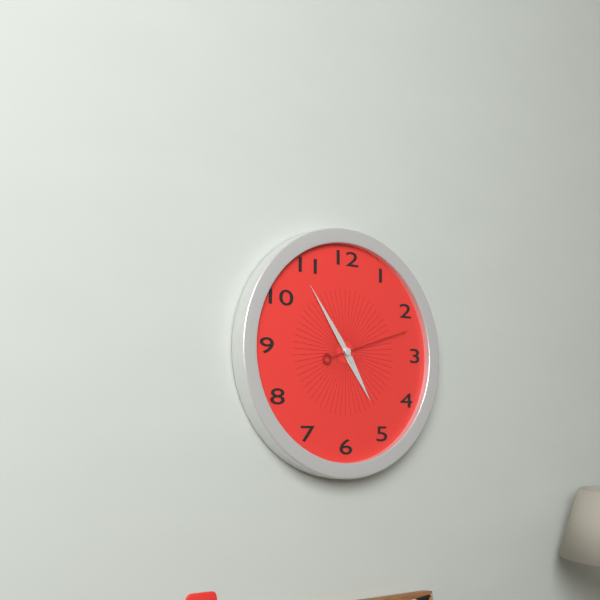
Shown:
**4:54:12**
